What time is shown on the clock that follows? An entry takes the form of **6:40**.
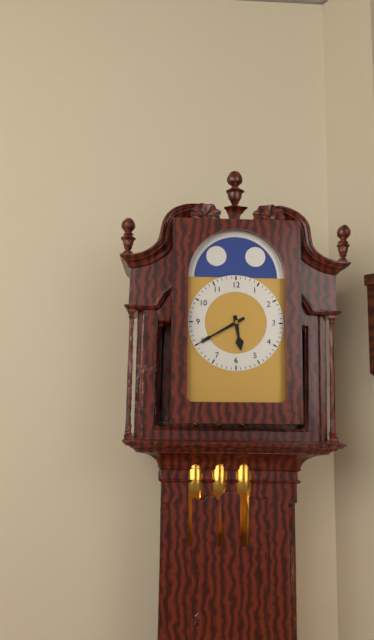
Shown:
**5:40**
